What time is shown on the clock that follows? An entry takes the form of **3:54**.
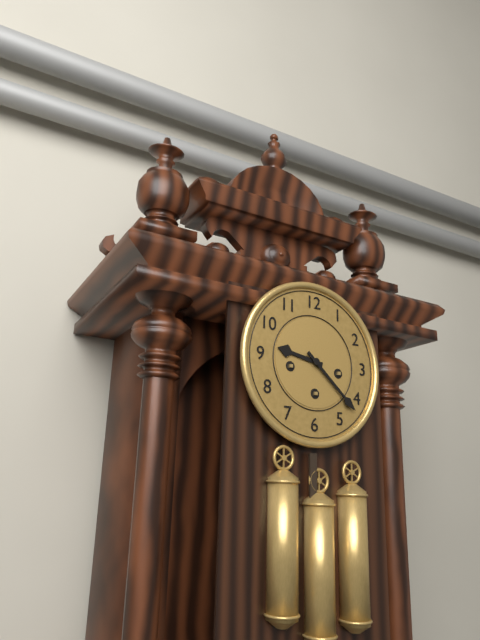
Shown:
**9:22**
